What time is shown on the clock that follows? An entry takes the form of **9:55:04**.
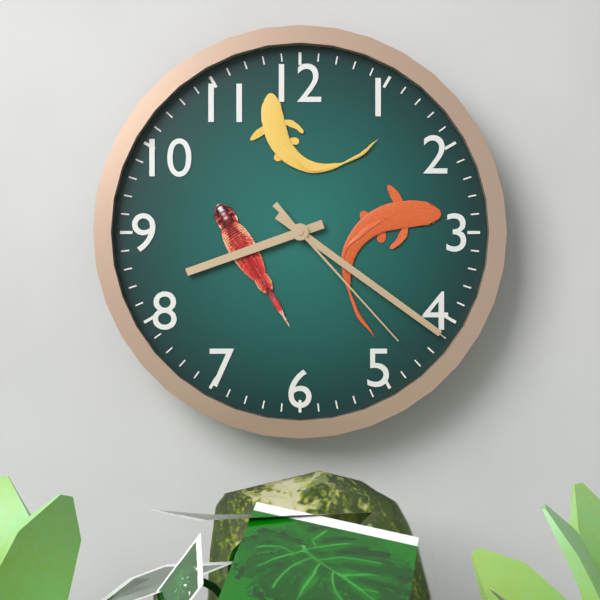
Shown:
**8:21:23**
